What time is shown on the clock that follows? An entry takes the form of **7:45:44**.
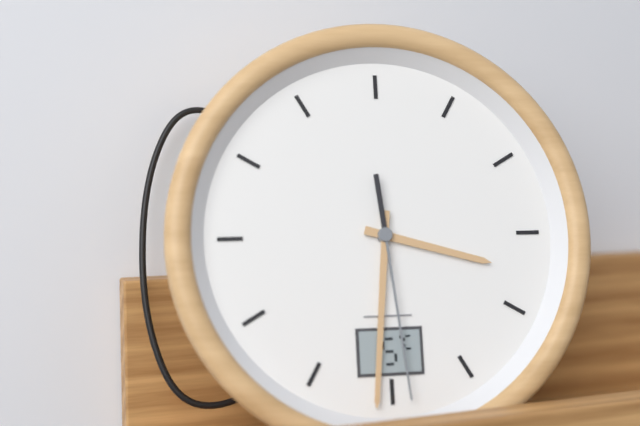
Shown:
**3:31:29**
